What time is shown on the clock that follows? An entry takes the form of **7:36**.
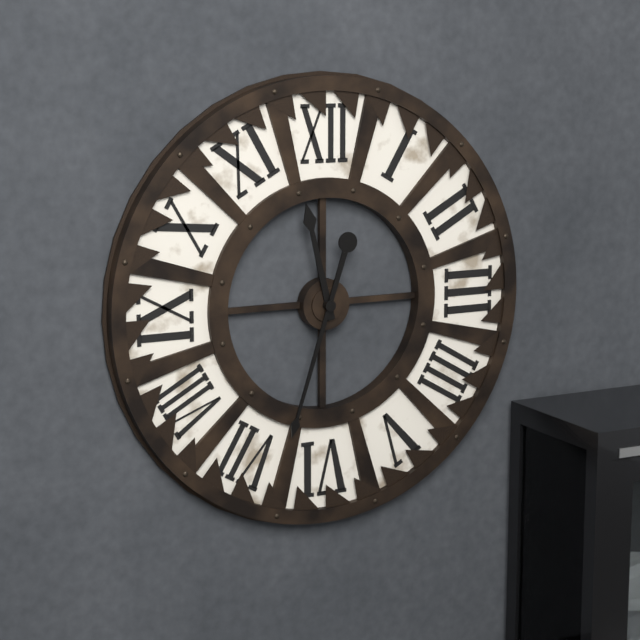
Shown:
**11:33**
